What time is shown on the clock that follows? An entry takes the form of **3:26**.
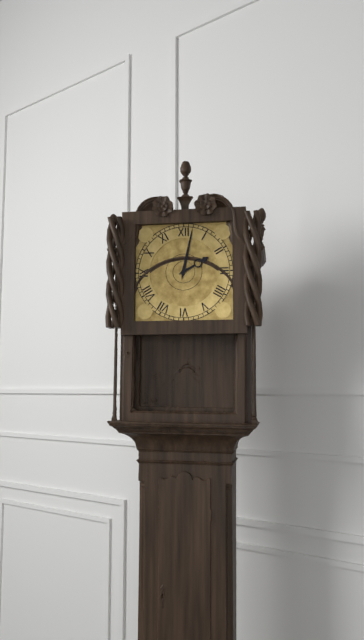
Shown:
**2:02**
